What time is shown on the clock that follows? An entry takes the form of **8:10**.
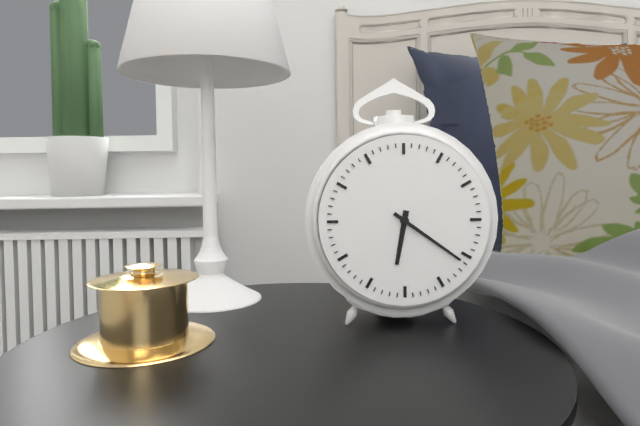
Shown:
**6:21**
